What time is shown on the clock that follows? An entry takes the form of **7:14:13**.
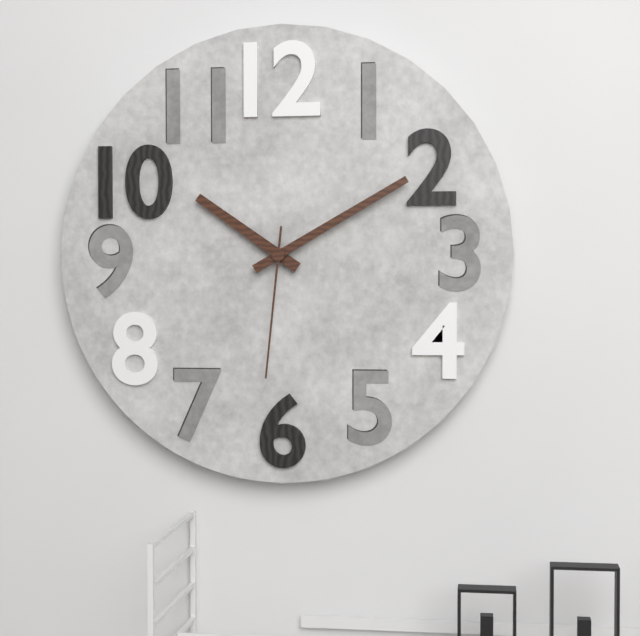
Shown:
**10:10:31**
